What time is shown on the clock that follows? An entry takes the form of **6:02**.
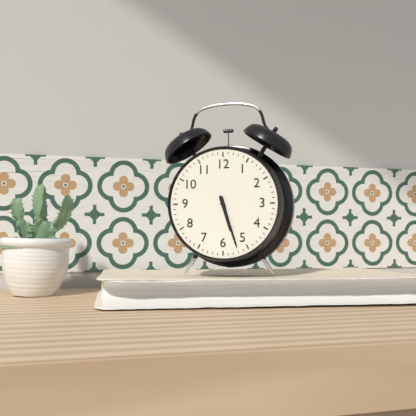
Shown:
**5:27**
